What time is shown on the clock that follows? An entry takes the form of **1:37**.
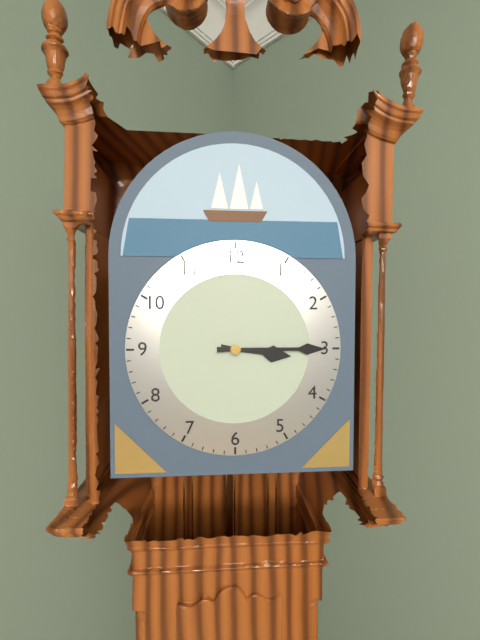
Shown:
**3:15**
